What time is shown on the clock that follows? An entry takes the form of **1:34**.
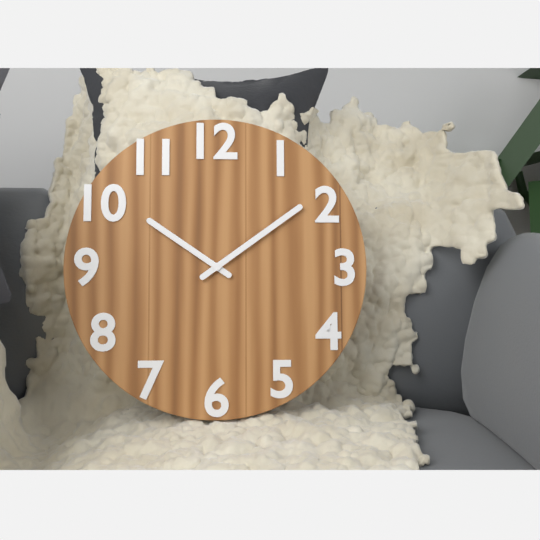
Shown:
**10:09**
